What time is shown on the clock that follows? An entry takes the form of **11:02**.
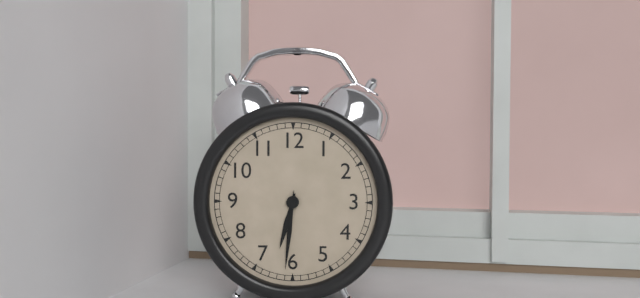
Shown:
**6:31**
